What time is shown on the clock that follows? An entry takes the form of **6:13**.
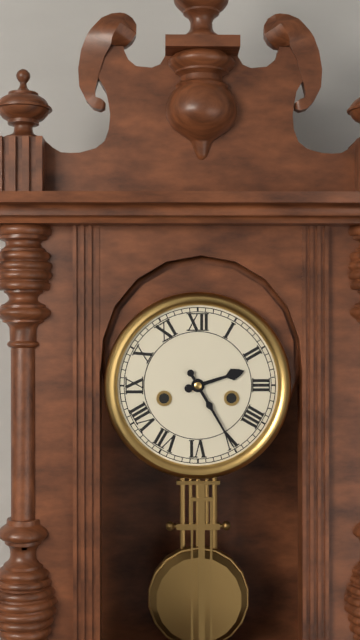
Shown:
**2:25**
